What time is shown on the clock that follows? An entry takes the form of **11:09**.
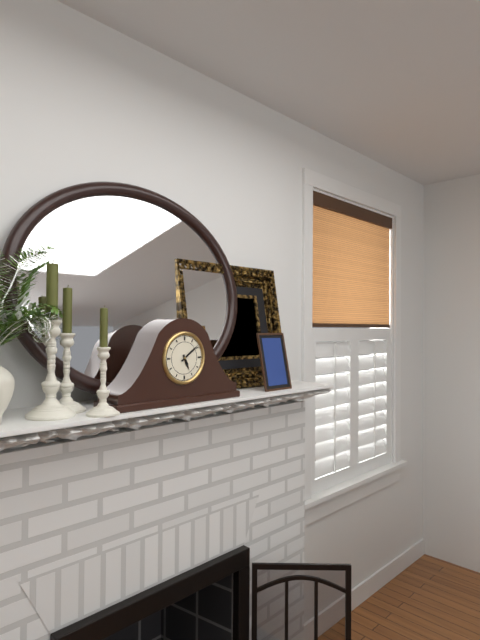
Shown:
**5:09**
